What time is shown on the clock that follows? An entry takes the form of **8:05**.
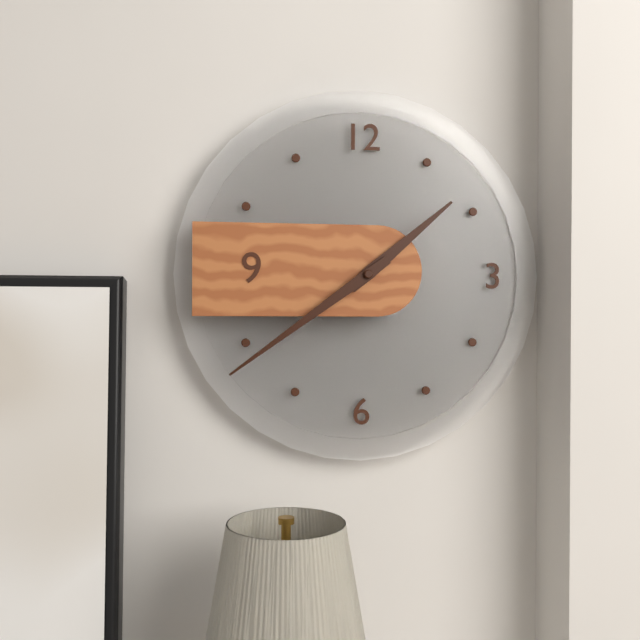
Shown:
**1:39**
